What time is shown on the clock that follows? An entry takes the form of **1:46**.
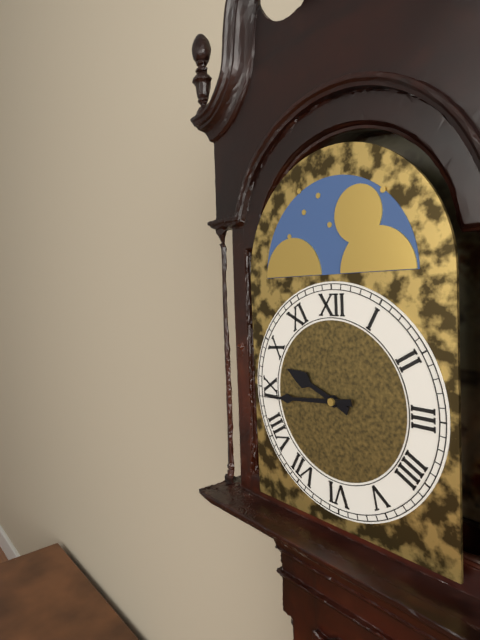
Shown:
**9:44**
